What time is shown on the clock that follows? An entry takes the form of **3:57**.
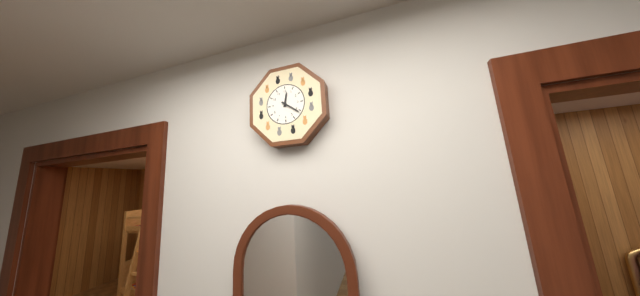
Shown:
**12:21**
